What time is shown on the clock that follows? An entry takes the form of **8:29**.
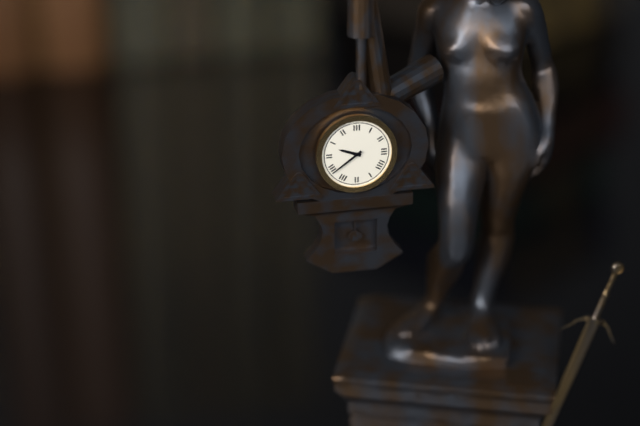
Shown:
**9:39**
